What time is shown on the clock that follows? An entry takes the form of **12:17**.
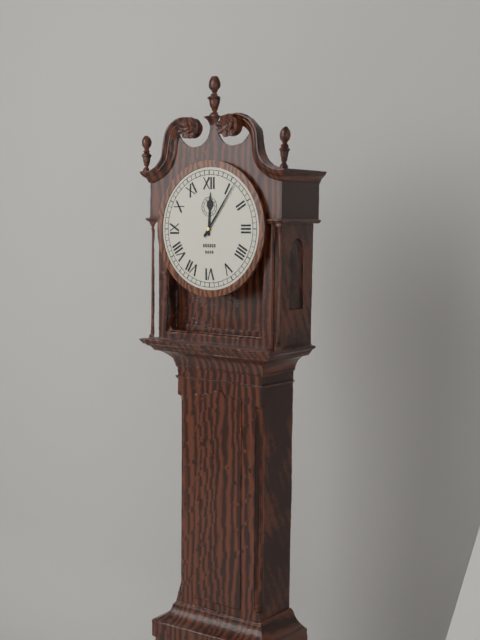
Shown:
**12:06**
